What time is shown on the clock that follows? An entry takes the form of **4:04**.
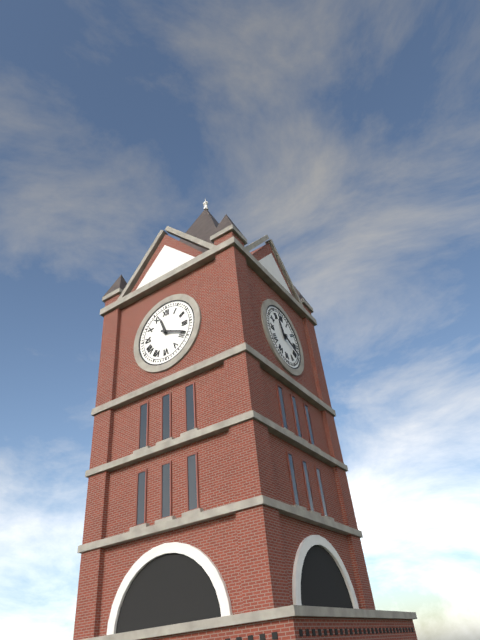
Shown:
**11:19**
